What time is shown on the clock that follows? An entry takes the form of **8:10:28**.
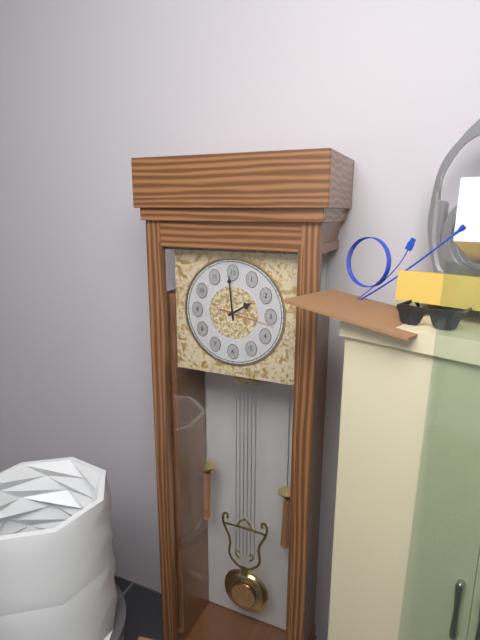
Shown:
**1:59:17**
